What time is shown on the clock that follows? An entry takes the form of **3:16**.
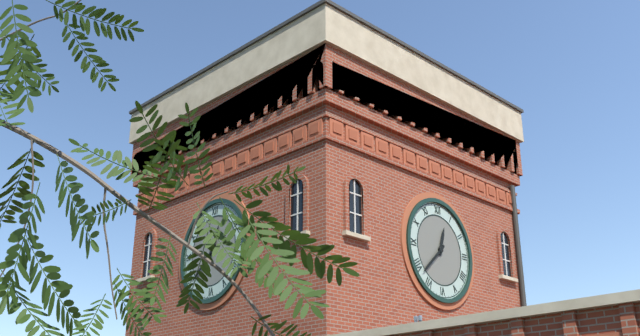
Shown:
**12:38**
